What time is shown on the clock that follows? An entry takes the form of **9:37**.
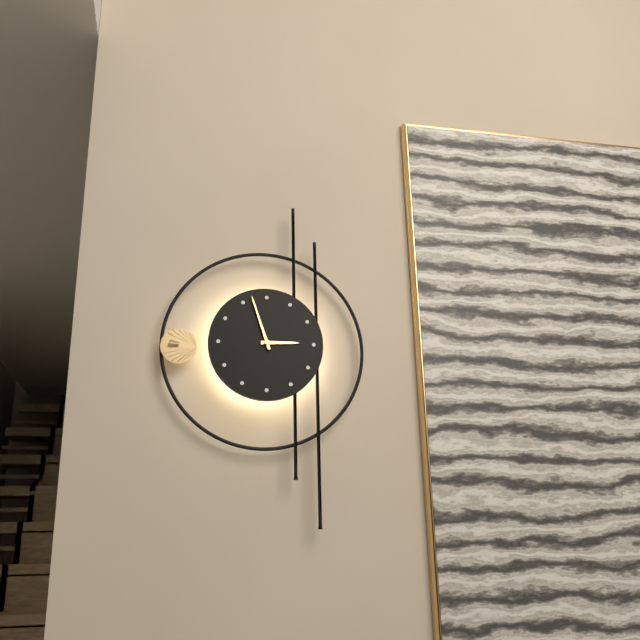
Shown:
**2:57**
